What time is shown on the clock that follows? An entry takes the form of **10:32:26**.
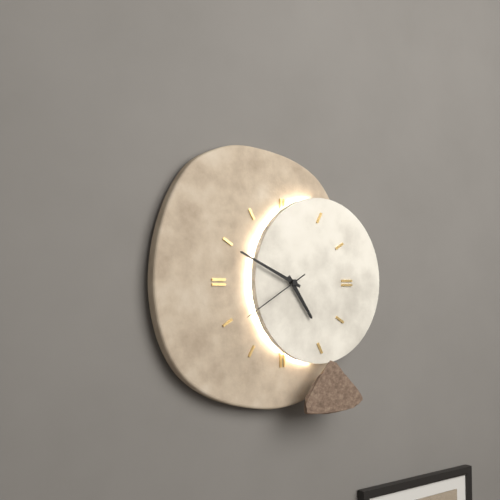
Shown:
**4:49:40**
